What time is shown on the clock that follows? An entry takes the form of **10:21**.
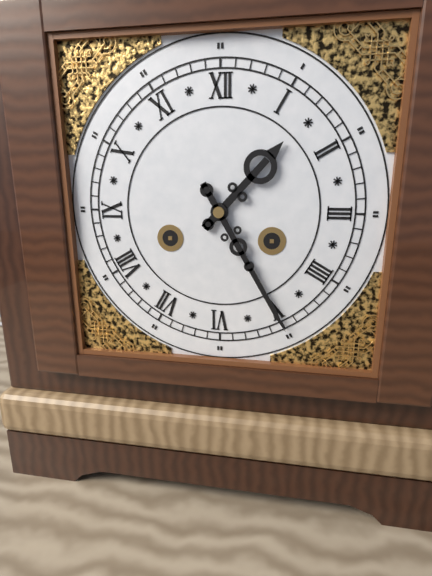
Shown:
**1:25**
